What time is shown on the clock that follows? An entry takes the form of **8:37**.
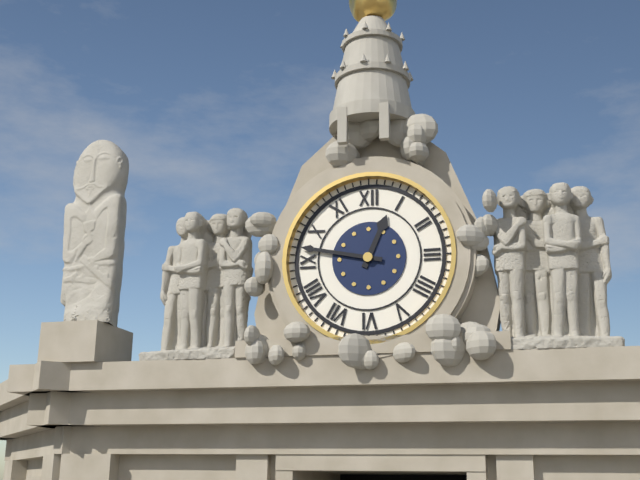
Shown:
**12:47**
